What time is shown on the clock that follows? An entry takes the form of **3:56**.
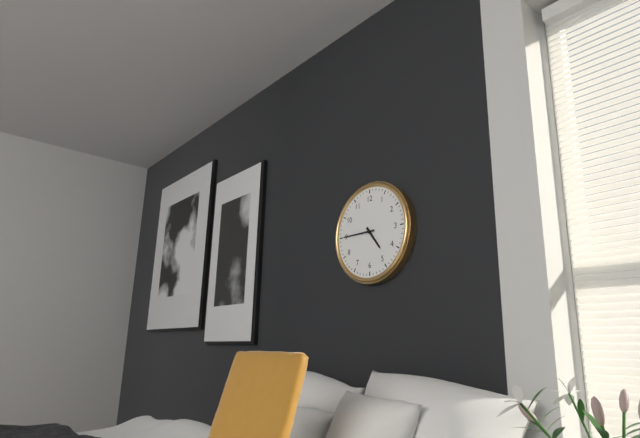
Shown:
**4:45**
